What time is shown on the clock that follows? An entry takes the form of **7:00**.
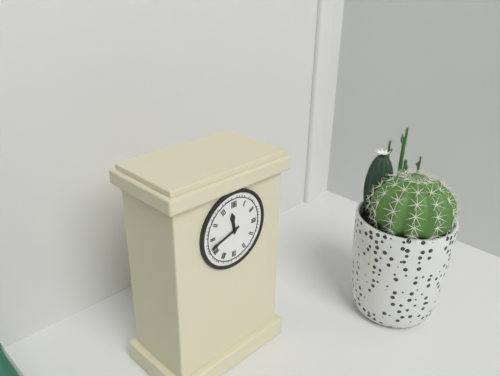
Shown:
**11:42**
